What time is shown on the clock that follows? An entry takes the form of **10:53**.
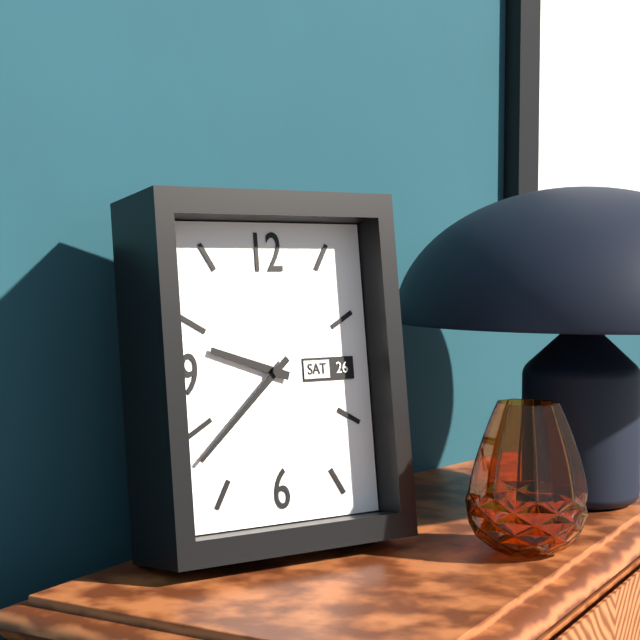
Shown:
**9:38**
